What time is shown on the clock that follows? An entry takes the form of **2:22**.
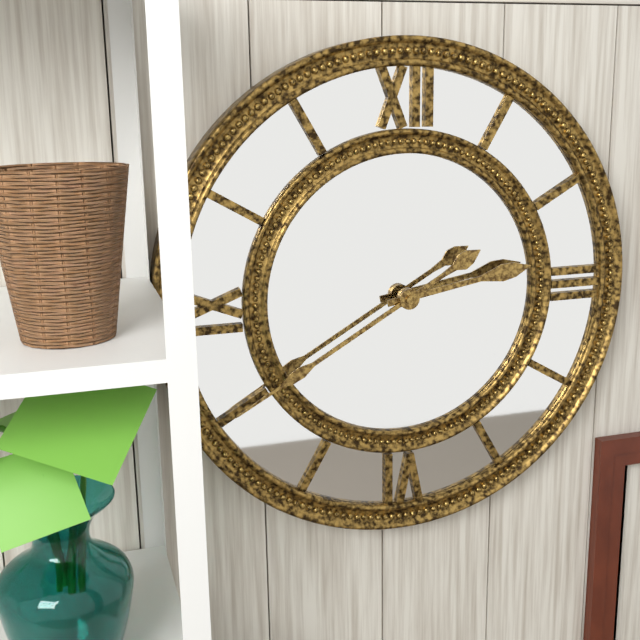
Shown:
**2:40**
